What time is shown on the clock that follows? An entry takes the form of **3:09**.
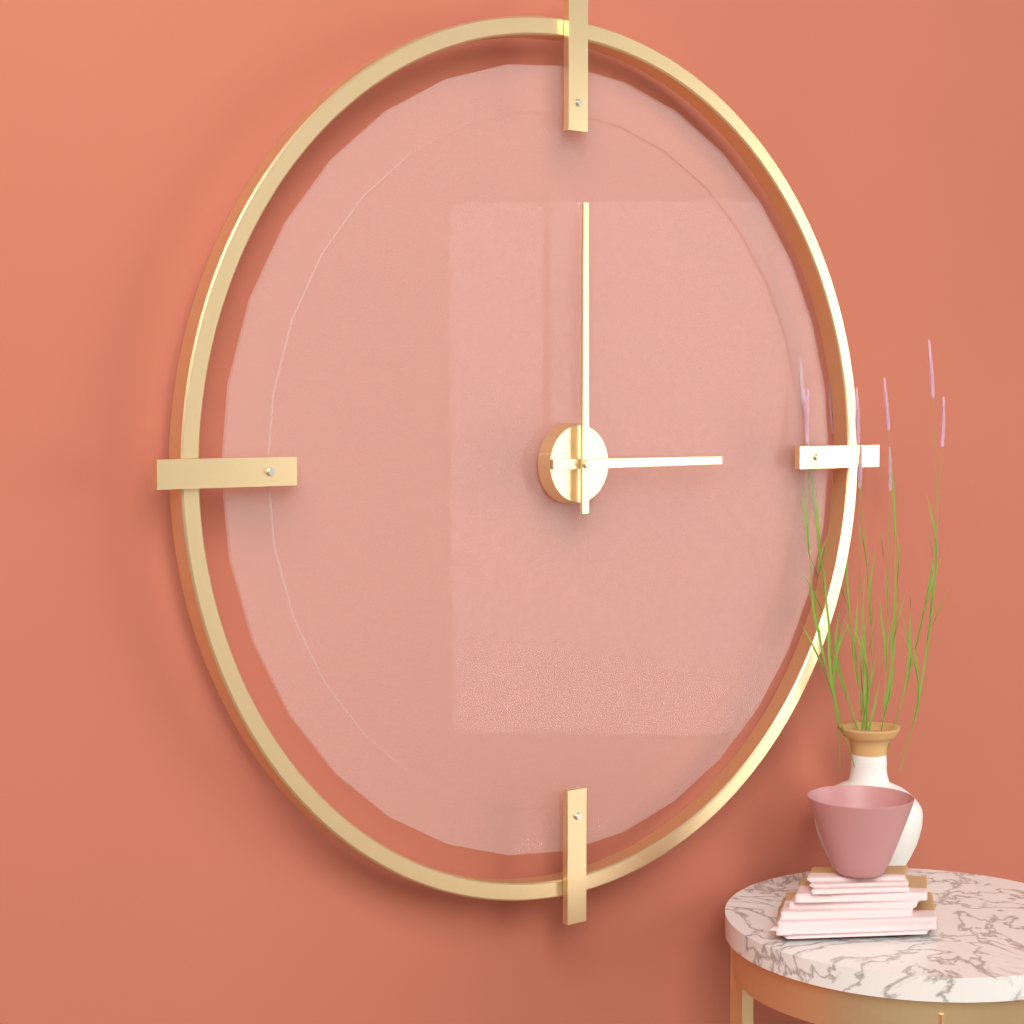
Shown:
**3:00**
